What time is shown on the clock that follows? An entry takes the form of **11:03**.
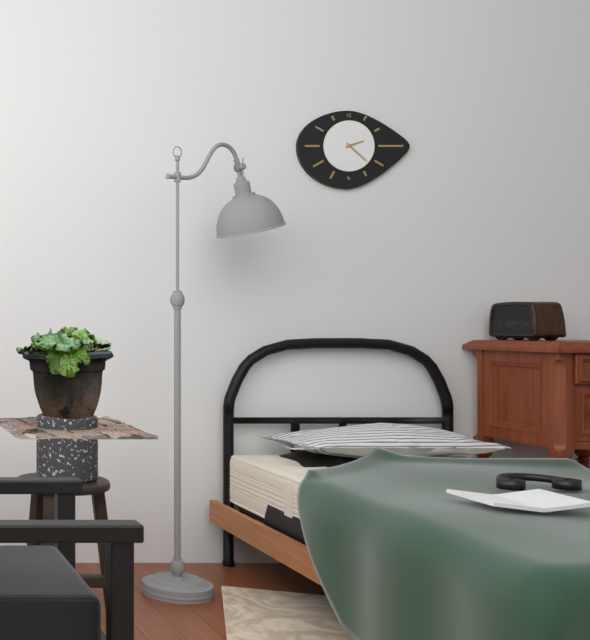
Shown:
**2:22**
